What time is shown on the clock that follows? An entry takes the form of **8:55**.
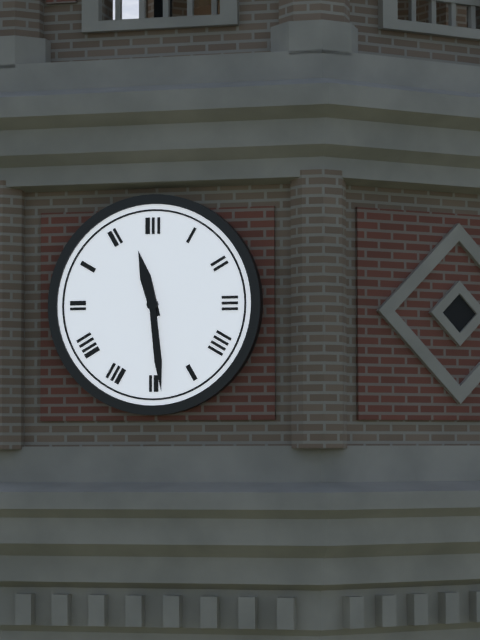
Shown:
**11:29**
